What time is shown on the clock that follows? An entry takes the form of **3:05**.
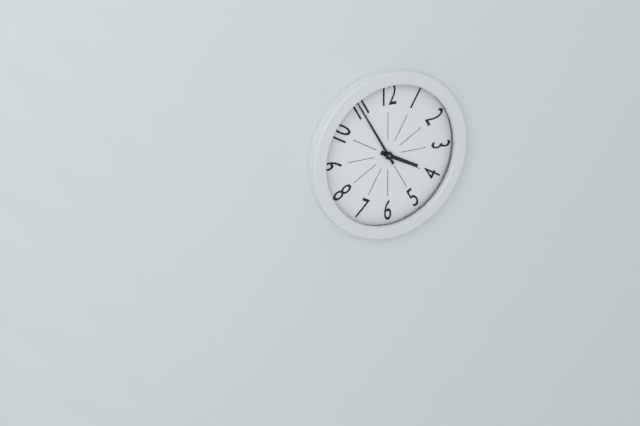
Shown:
**3:55**
